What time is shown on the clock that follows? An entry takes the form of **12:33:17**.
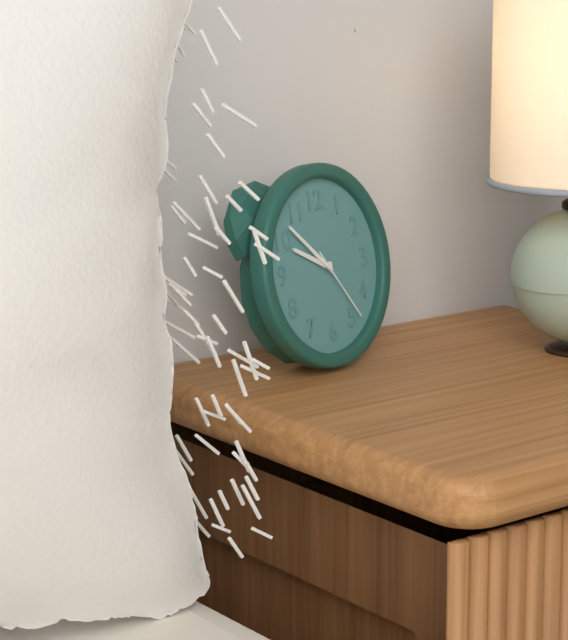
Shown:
**9:52:24**
